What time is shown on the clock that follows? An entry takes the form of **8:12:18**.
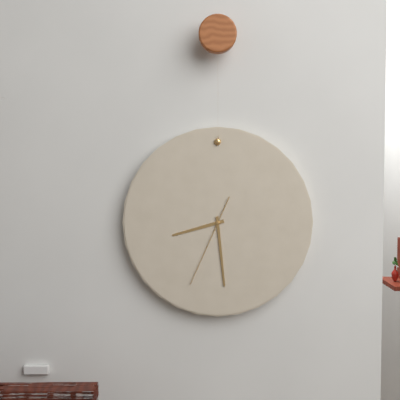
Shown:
**8:29:34**
